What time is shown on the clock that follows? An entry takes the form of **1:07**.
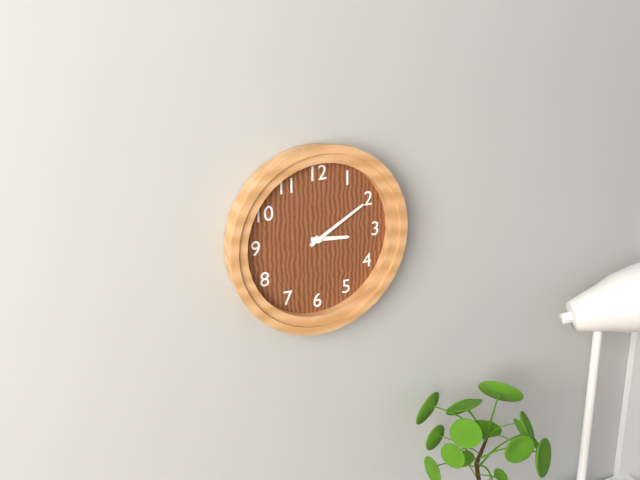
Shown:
**3:10**
